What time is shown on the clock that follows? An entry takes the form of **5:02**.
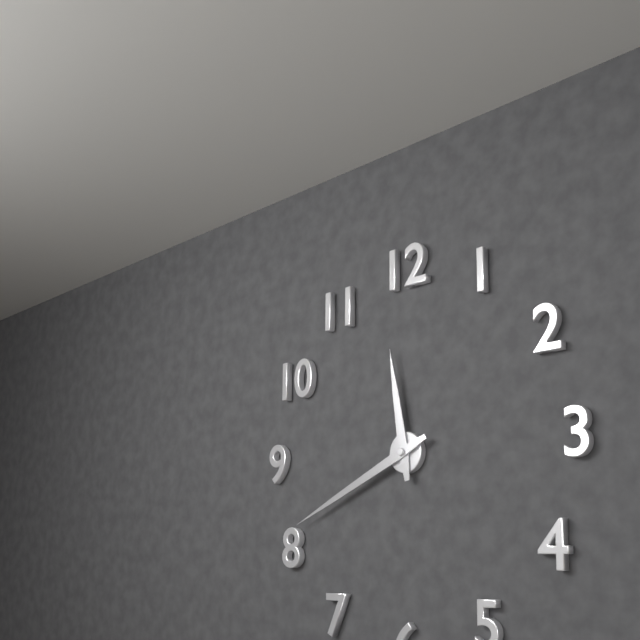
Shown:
**11:41**
